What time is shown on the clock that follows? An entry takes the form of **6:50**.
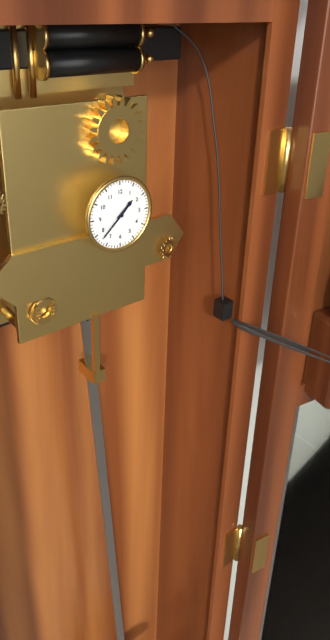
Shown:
**1:38**
